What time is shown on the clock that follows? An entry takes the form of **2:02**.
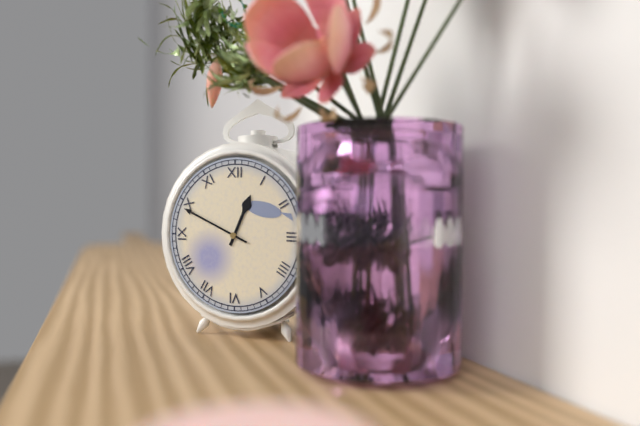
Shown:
**12:49**
